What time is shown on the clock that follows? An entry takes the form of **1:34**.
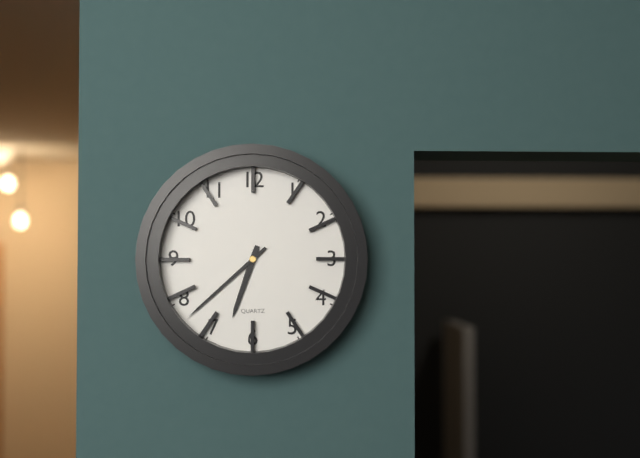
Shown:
**6:38**
